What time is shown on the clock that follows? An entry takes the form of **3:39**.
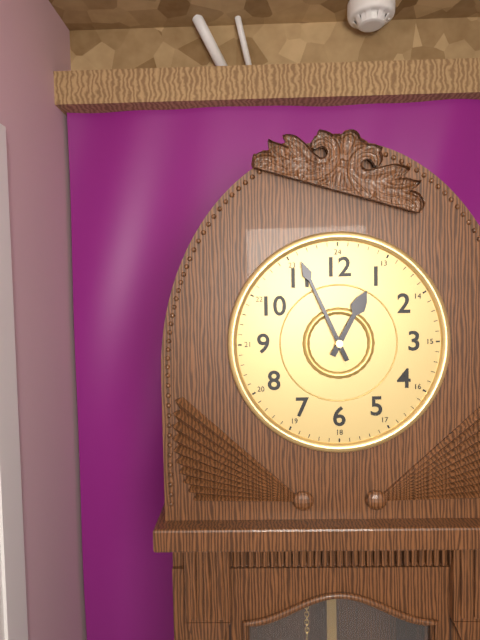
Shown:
**12:56**
